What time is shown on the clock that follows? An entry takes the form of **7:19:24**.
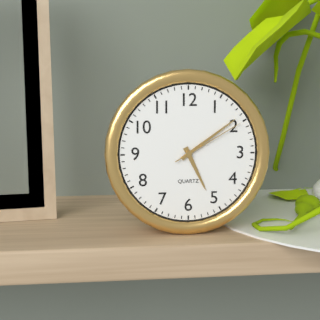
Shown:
**5:09:10**
